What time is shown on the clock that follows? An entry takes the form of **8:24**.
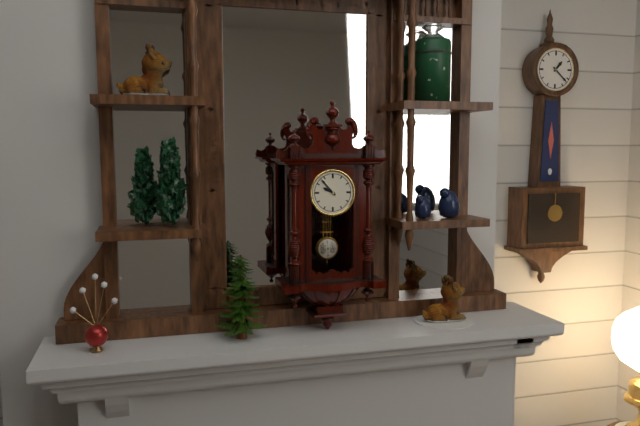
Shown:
**9:53**
